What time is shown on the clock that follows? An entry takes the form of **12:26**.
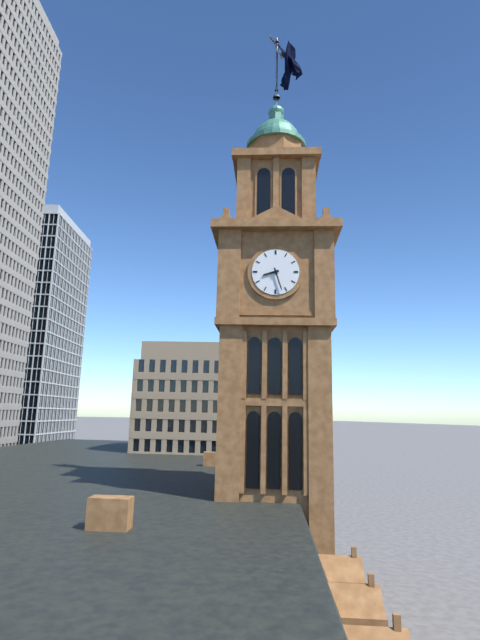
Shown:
**8:27**
